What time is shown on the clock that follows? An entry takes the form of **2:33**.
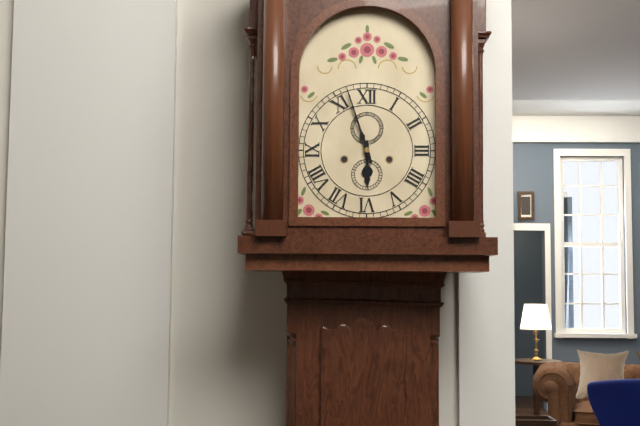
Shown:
**5:57**
